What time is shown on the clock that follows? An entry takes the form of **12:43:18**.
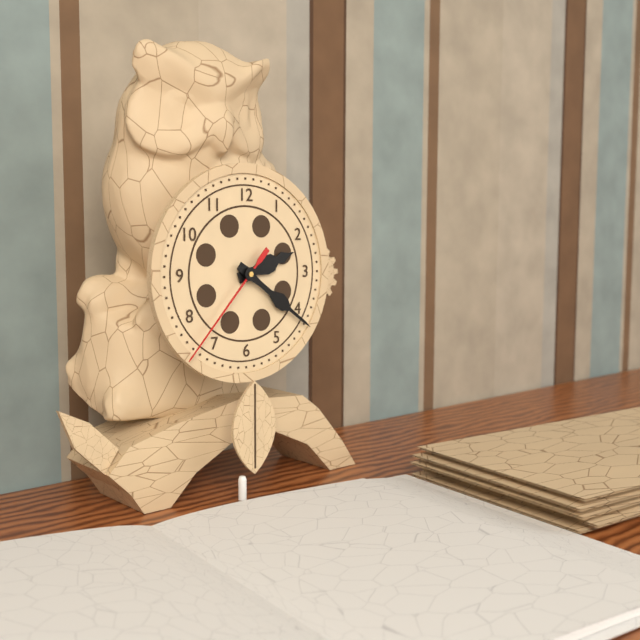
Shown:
**2:21:37**
